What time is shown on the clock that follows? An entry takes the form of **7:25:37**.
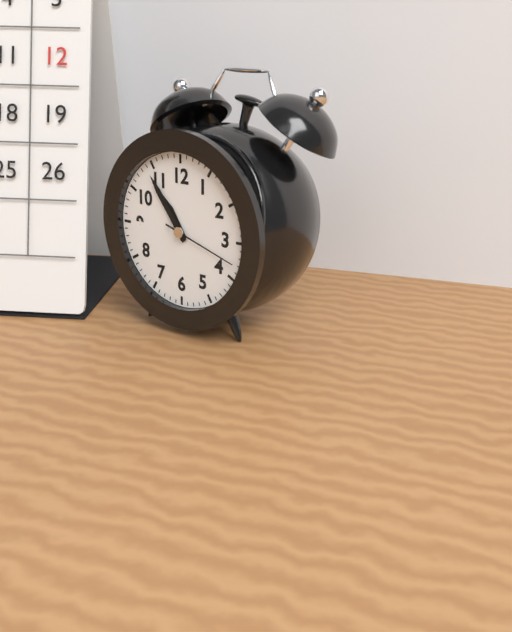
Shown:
**10:54:18**
